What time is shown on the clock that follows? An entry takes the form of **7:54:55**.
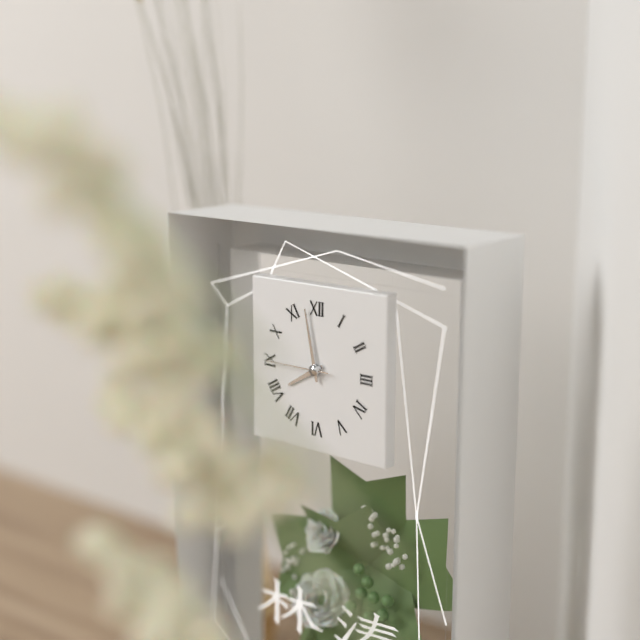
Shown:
**7:58:45**
